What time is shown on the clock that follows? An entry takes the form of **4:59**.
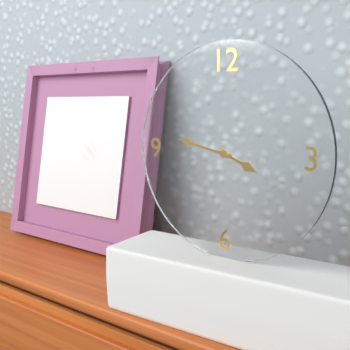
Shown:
**3:47**
